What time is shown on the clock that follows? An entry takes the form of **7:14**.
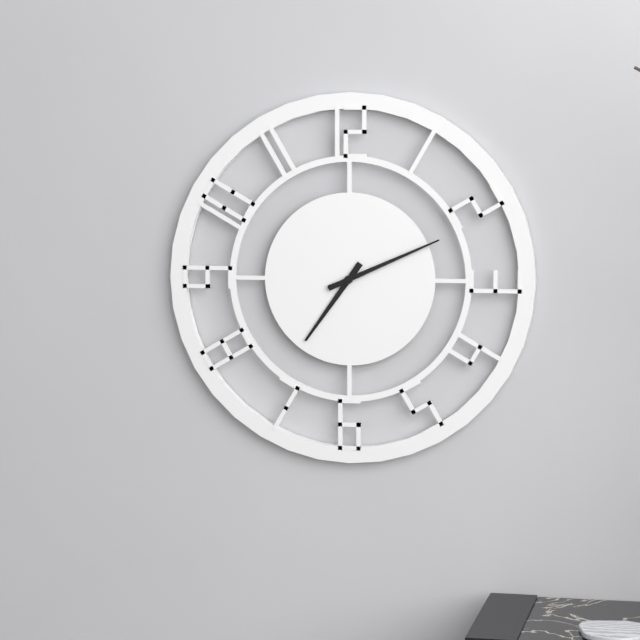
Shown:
**7:11**
